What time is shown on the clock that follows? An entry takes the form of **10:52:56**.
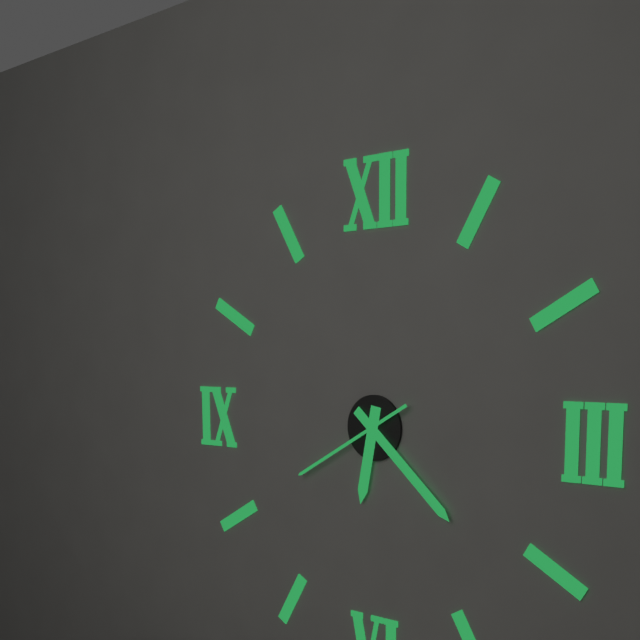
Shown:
**6:22:40**
